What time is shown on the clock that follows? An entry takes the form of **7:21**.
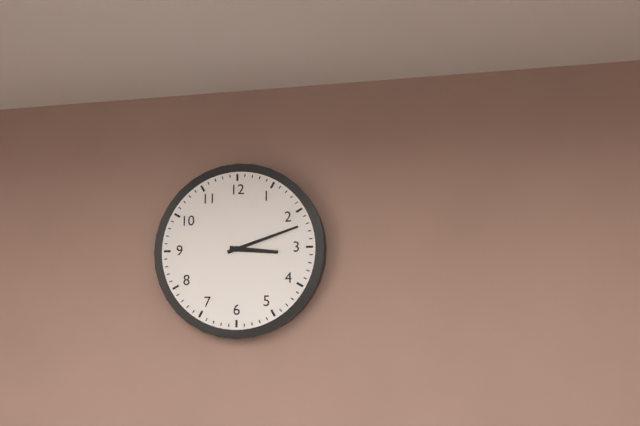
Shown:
**3:12**
